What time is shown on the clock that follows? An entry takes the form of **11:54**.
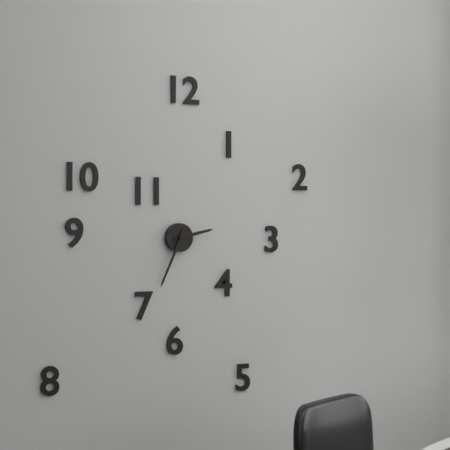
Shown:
**2:34**
